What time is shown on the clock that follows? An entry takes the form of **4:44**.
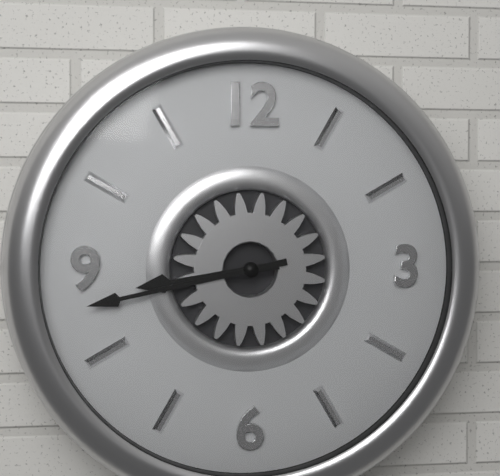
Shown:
**8:43**
